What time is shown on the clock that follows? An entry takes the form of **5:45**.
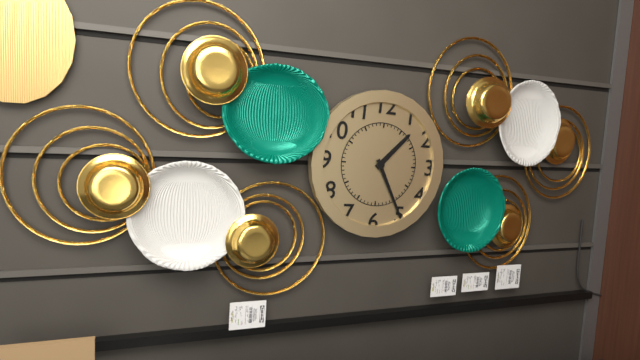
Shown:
**1:25**
